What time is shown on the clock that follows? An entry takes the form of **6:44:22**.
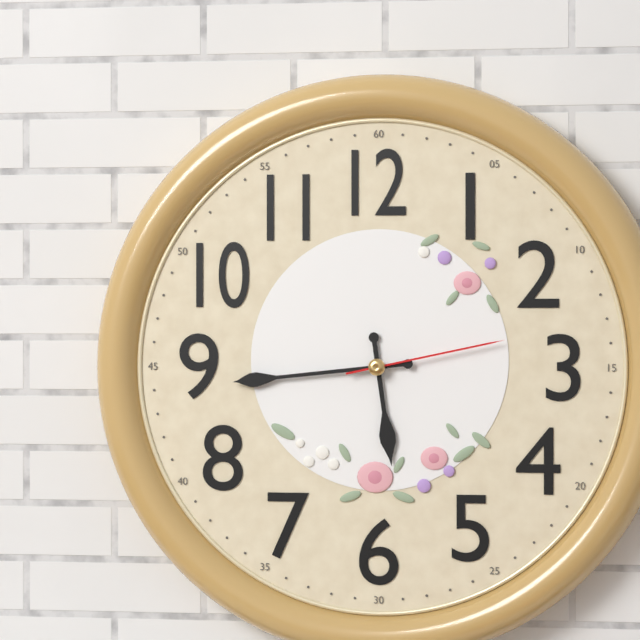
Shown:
**5:44:13**
